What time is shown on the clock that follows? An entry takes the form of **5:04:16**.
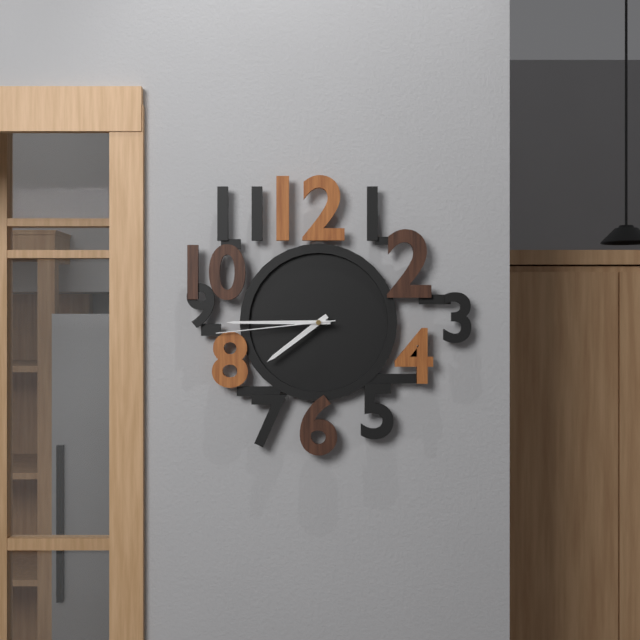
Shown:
**7:45:44**
